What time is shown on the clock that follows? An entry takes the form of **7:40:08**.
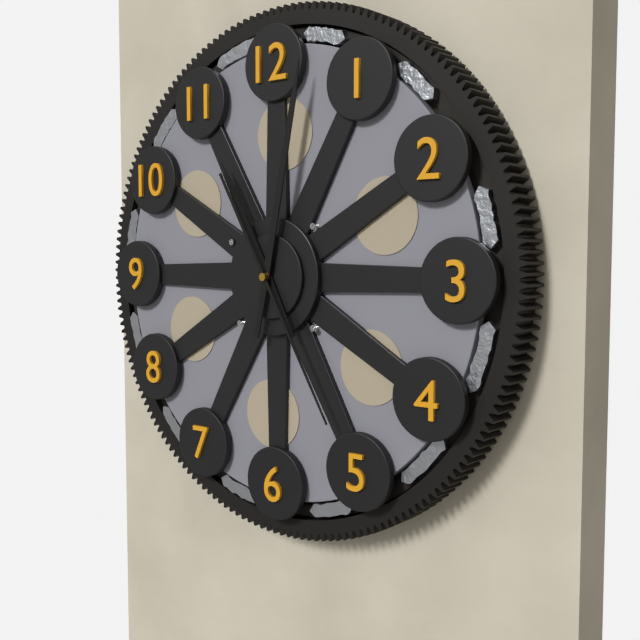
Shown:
**11:02:25**
